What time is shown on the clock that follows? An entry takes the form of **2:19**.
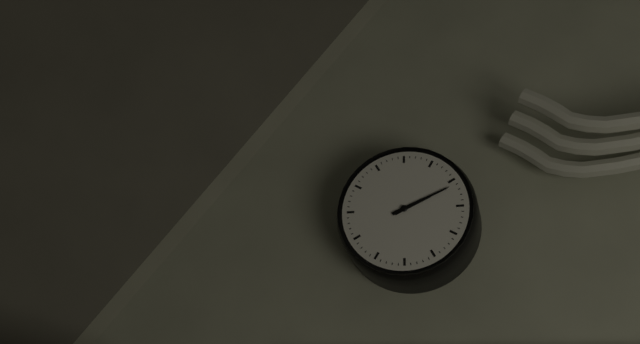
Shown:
**2:11**
